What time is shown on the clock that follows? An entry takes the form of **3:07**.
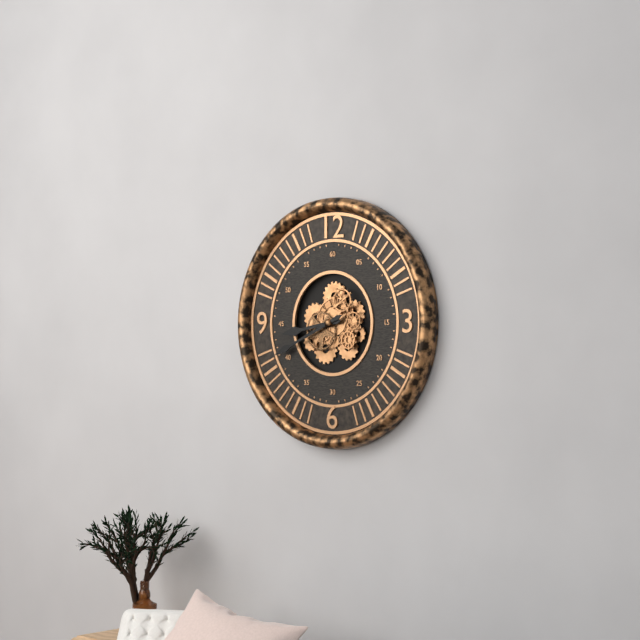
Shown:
**8:41**
